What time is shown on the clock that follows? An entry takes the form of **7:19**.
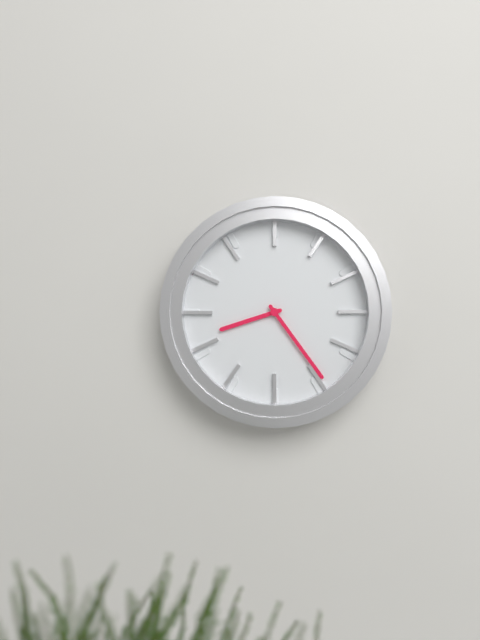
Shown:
**8:24**
